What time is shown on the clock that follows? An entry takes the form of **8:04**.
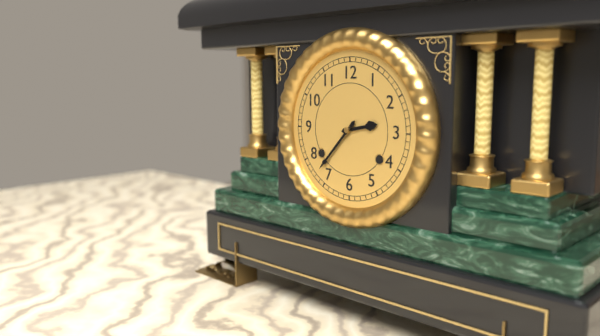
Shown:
**2:37**
